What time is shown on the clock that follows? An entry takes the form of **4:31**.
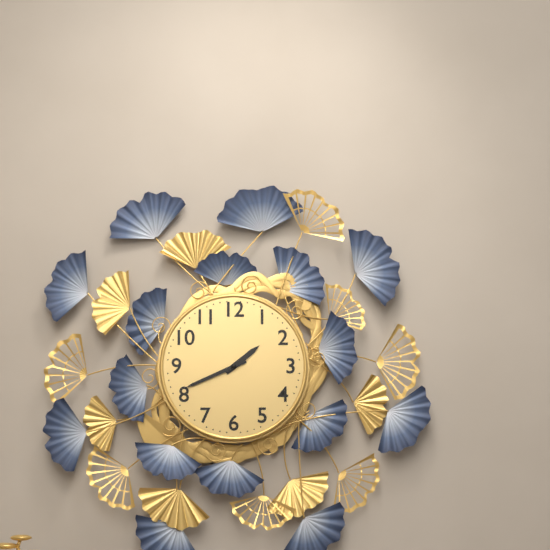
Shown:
**1:41**
